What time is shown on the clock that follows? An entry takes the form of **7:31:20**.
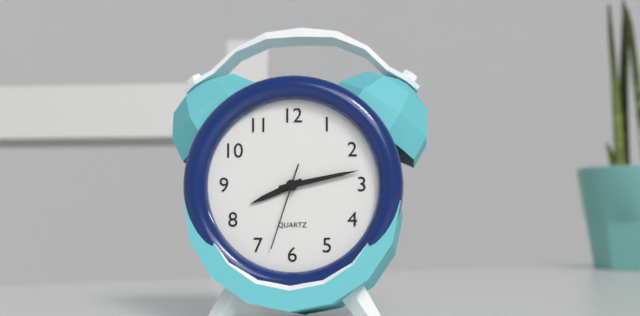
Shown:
**8:13:33**
